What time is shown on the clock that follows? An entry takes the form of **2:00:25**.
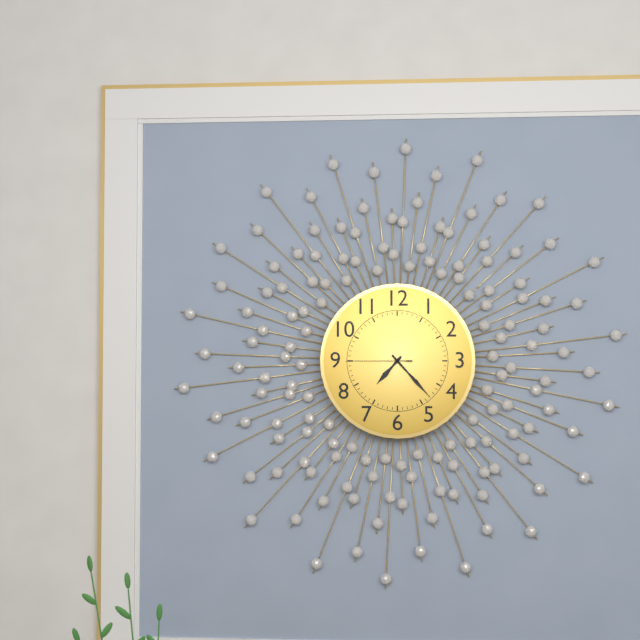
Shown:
**7:23:45**
